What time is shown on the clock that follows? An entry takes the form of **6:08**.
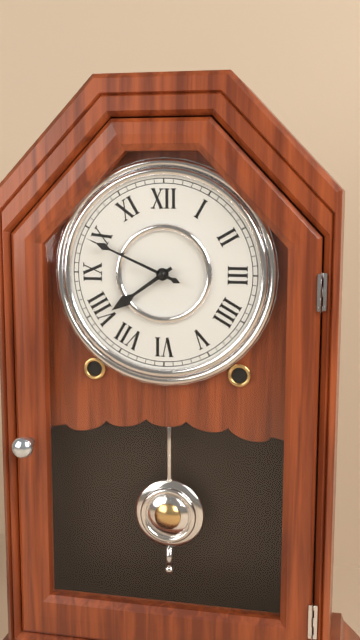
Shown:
**7:49**
